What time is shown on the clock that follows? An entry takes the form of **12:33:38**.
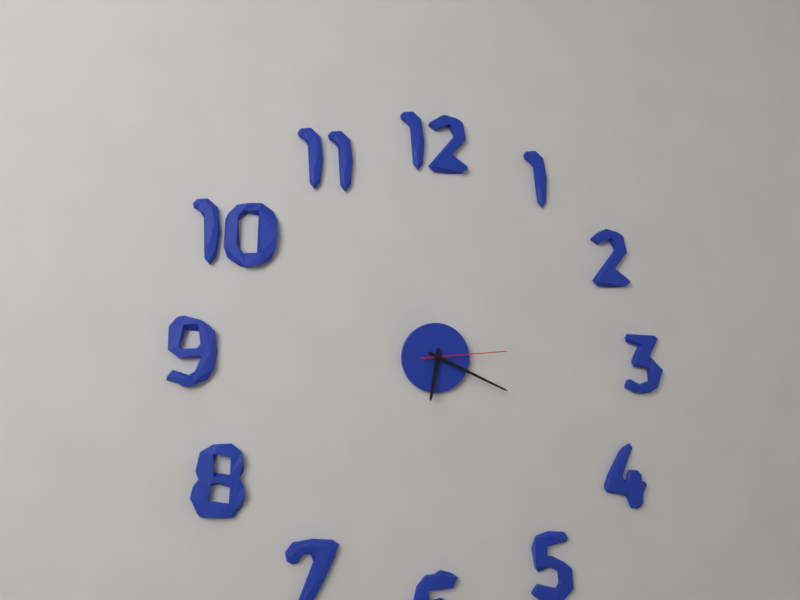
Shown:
**6:19:14**
